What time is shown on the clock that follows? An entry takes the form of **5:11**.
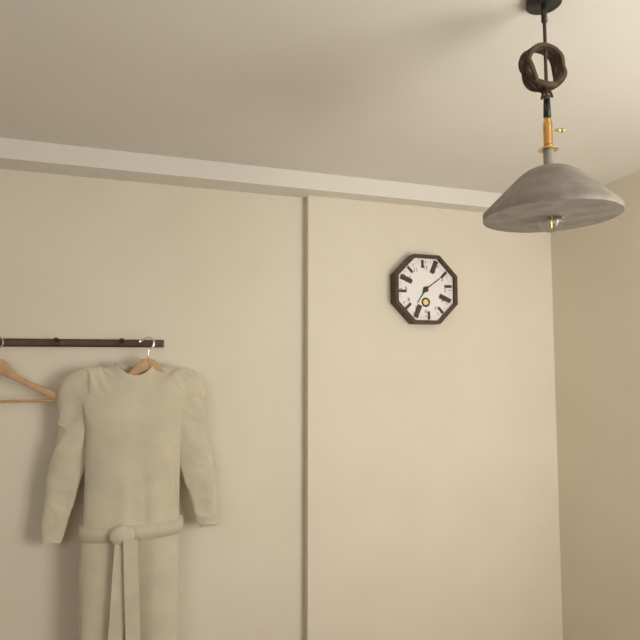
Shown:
**7:09**
